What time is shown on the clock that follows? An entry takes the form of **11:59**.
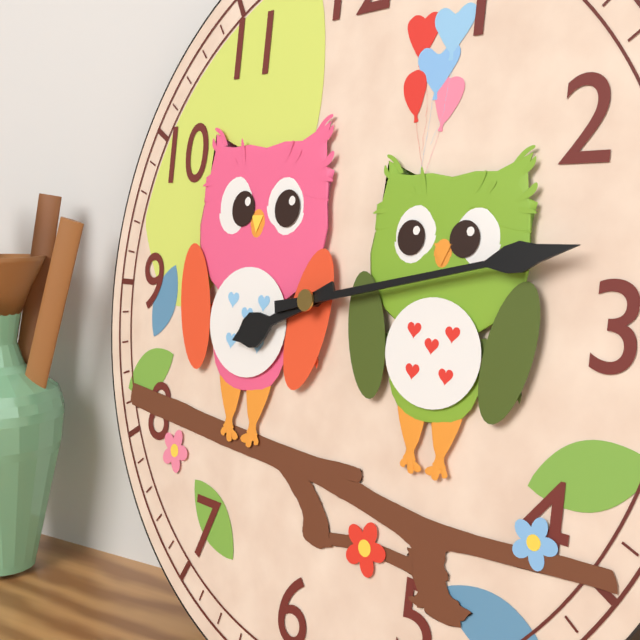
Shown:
**8:13**
